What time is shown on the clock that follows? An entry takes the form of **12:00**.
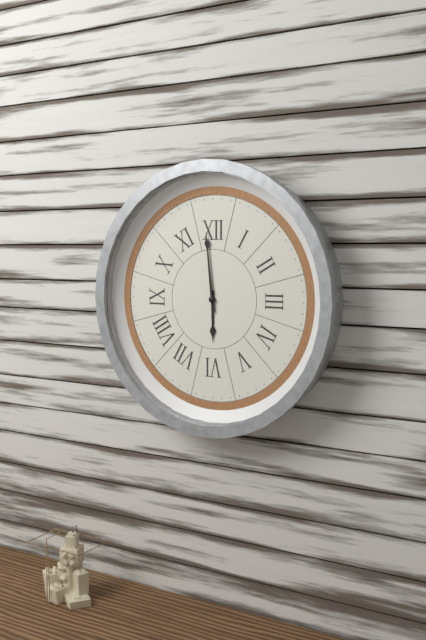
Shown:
**5:59**
